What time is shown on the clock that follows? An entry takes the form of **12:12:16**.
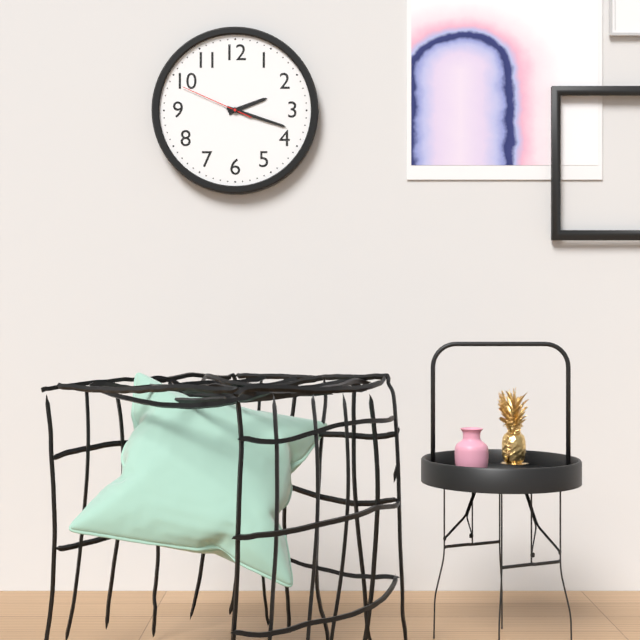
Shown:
**2:18:49**
